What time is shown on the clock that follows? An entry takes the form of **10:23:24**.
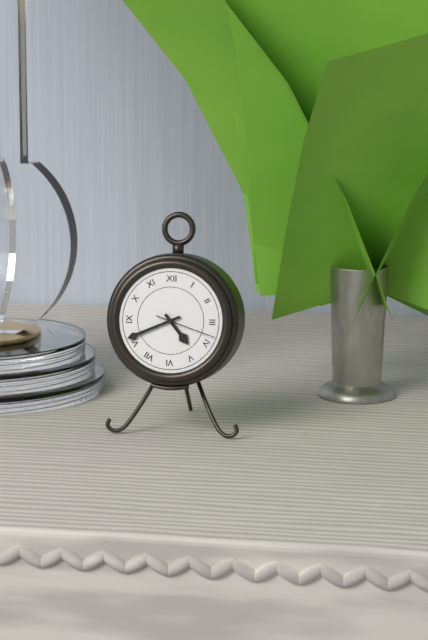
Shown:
**4:41:18**
